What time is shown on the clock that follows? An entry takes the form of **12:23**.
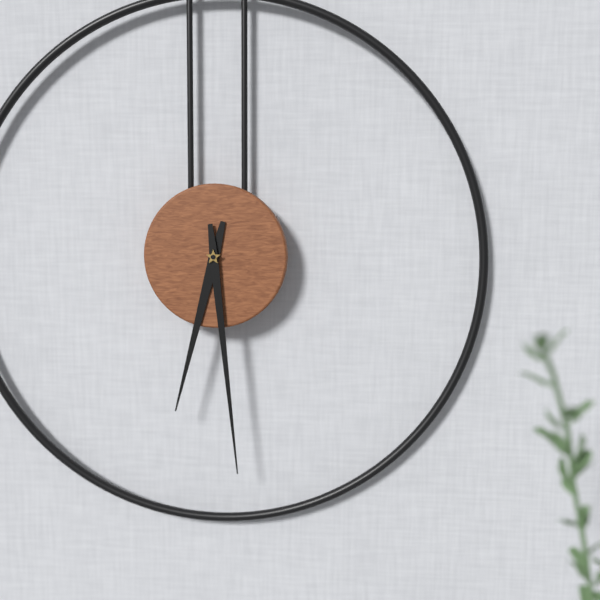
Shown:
**6:29**
